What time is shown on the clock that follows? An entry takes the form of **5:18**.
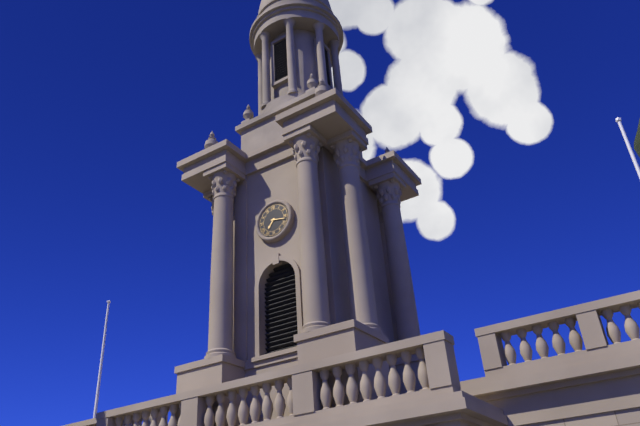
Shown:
**7:17**
